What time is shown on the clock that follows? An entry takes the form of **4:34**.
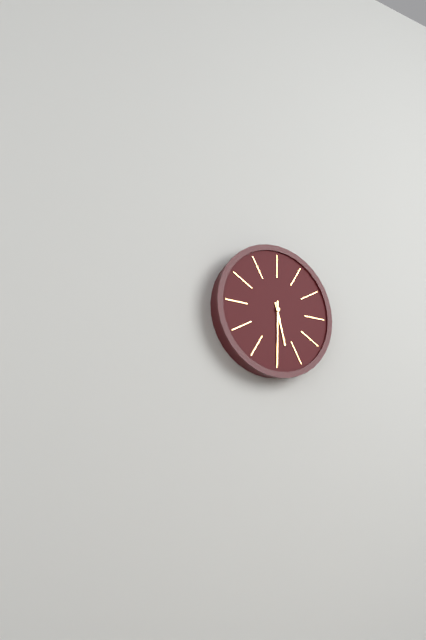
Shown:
**5:30**
